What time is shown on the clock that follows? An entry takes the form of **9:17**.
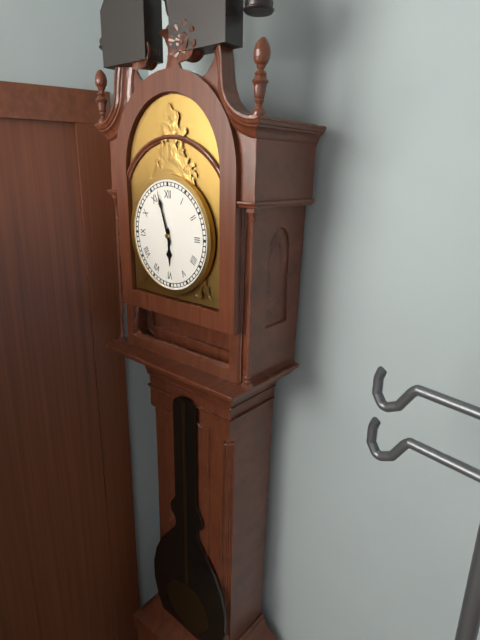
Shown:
**5:57**
